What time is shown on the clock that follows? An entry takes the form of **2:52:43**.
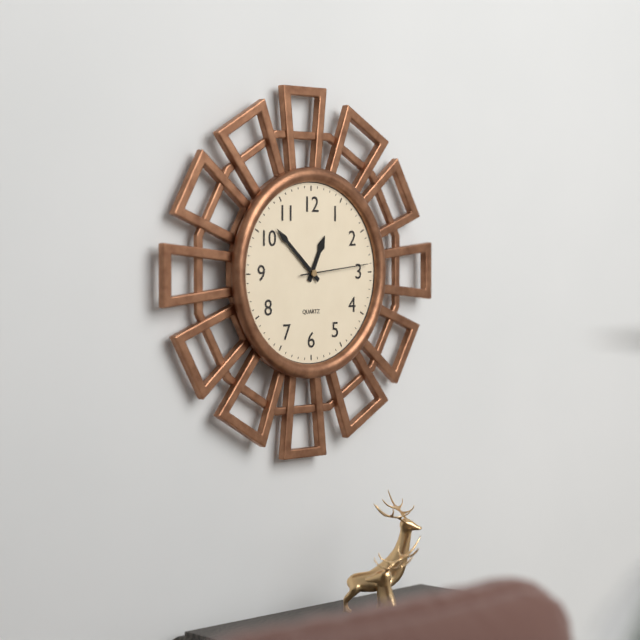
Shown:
**12:52:14**
